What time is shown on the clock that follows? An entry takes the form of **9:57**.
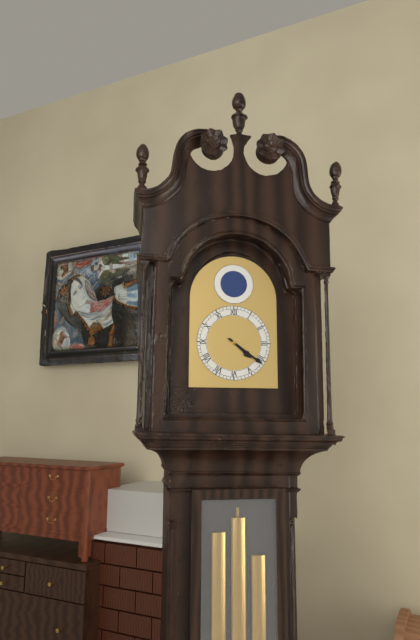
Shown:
**4:21**
